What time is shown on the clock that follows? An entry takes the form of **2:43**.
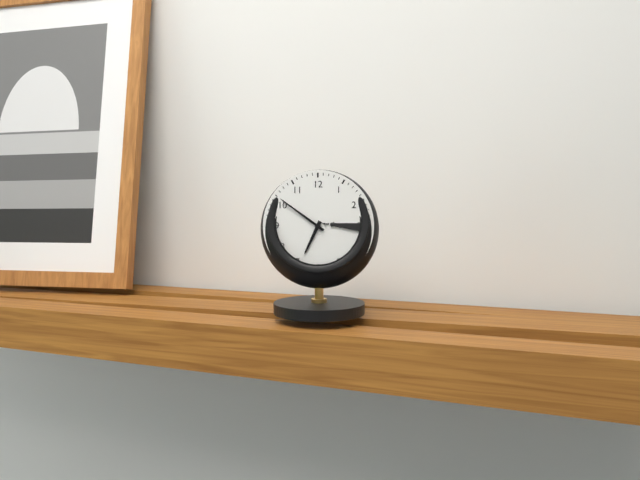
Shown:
**6:51**
